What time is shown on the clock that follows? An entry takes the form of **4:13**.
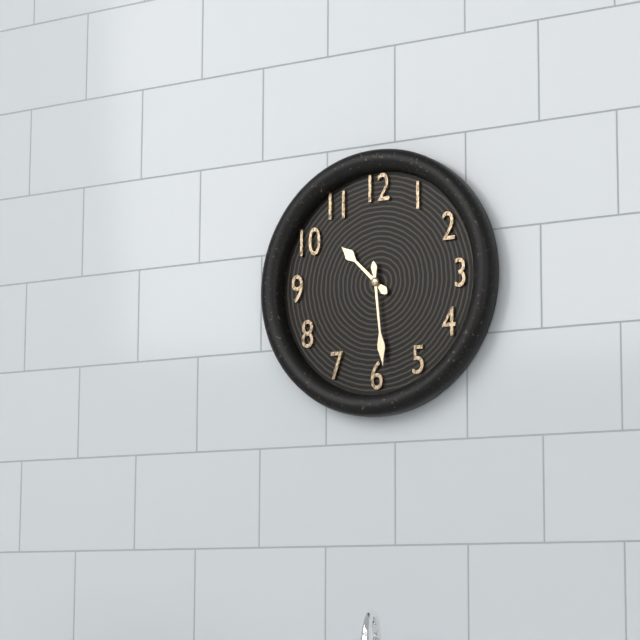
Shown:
**10:29**
